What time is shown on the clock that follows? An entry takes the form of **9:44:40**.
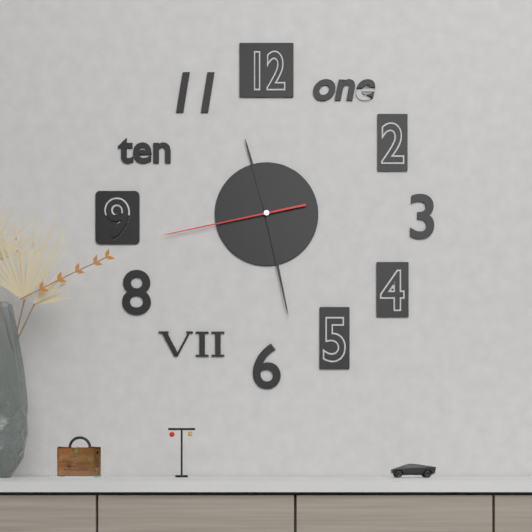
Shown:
**11:28:43**
